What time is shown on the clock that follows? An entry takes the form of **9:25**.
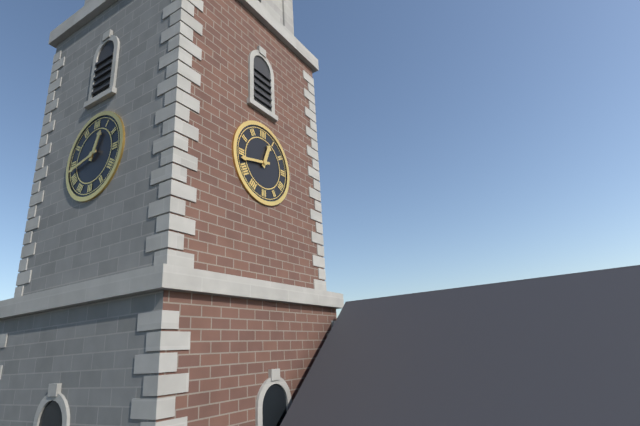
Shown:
**12:43**
